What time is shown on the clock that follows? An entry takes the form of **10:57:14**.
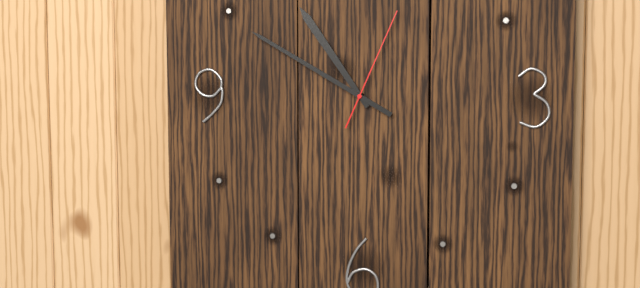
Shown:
**10:50:04**
